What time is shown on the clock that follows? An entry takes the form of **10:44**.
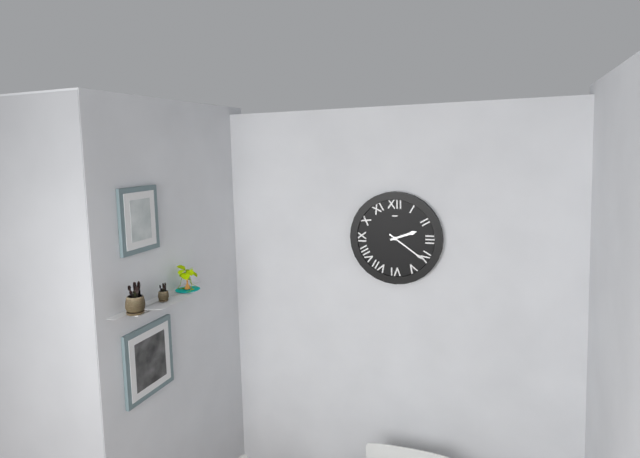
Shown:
**2:21**
